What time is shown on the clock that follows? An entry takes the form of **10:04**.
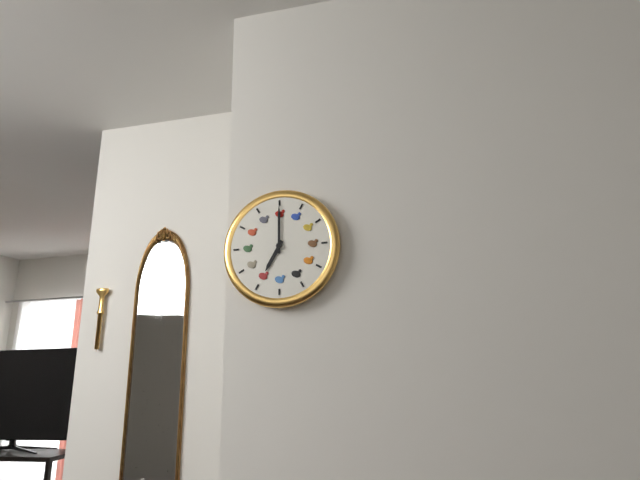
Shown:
**7:00**
